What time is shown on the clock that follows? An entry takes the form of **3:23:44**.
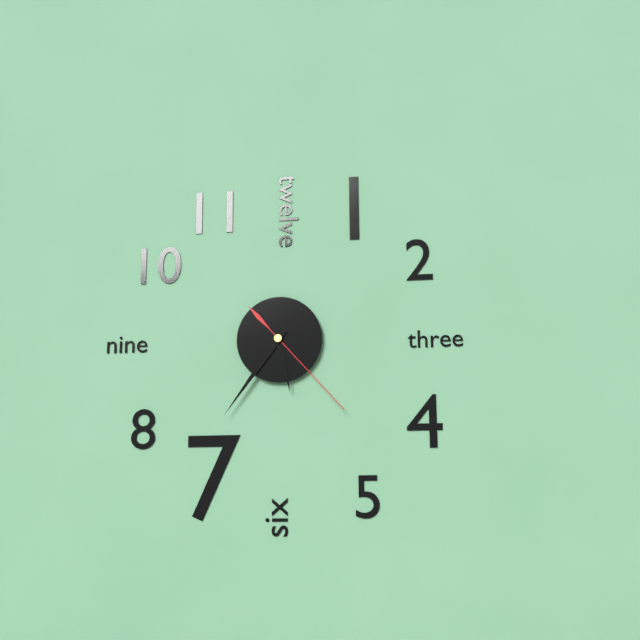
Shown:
**5:36:23**
